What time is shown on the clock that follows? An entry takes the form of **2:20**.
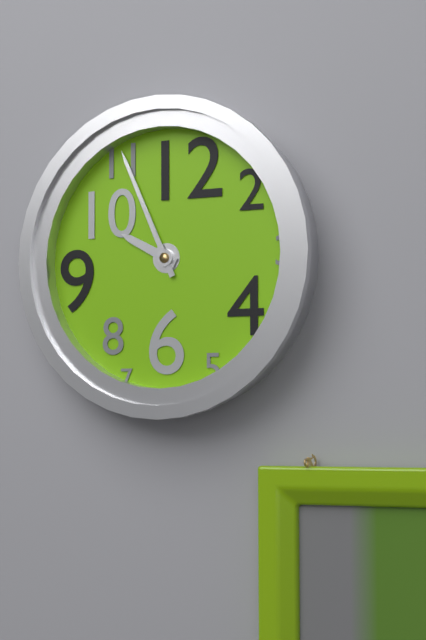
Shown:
**9:56**
